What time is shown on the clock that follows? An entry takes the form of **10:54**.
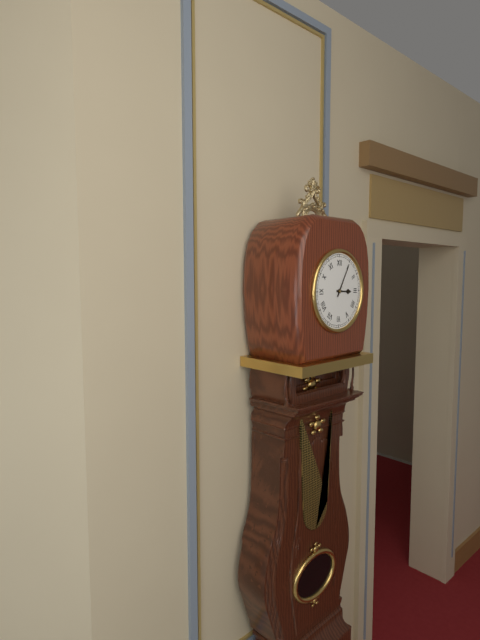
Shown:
**3:05**
